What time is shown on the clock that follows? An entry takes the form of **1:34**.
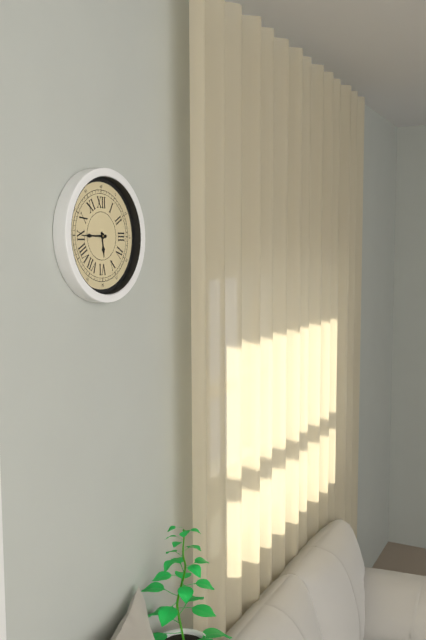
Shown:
**5:45**
